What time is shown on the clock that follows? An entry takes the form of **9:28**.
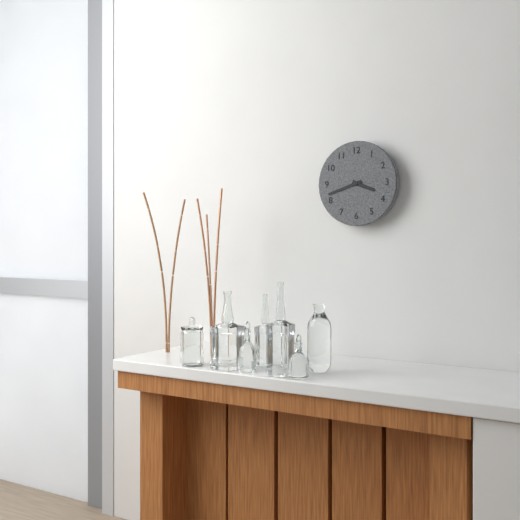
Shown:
**3:42**
